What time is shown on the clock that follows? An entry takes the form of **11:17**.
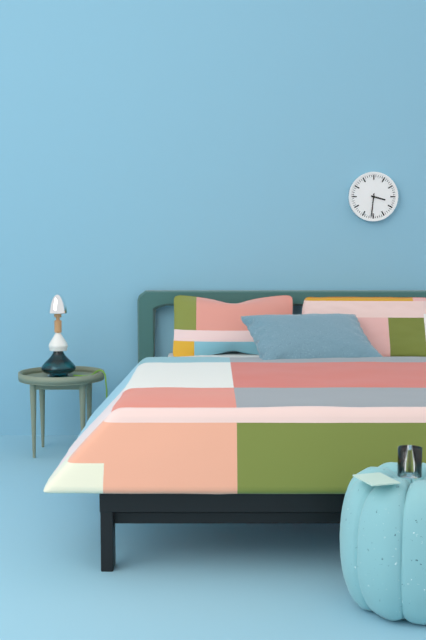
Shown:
**3:31**
